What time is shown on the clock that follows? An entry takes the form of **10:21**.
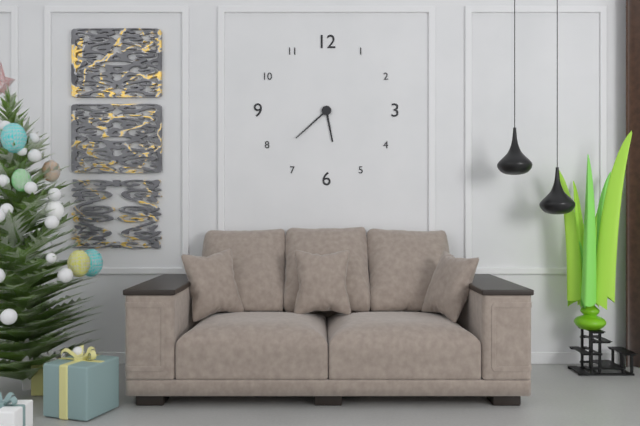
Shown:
**5:38**
